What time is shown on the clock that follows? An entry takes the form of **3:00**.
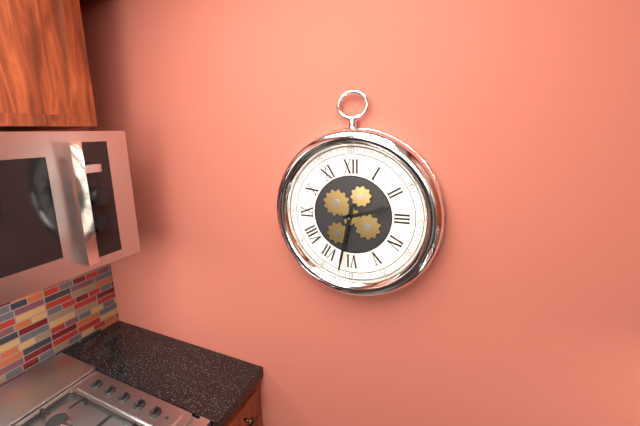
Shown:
**2:32**
